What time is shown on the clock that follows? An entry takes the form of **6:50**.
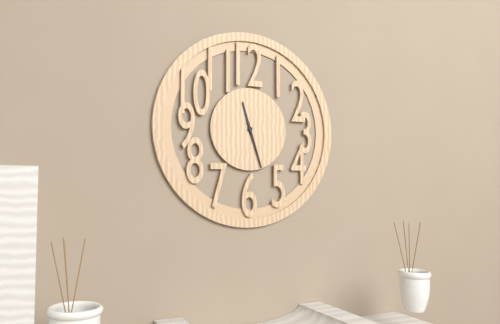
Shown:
**11:27**
